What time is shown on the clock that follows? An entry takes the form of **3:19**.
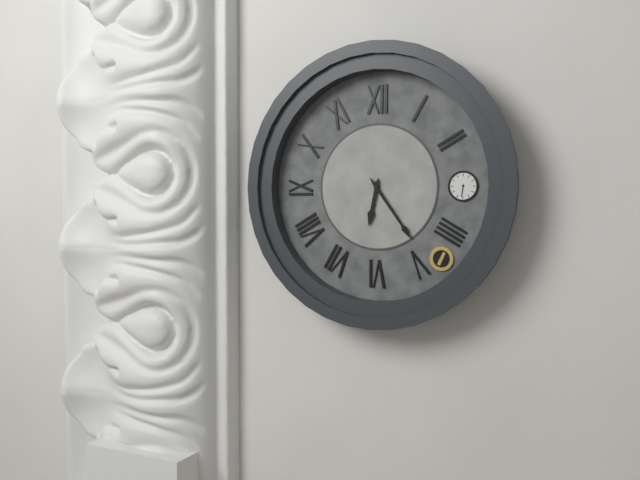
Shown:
**6:24**
